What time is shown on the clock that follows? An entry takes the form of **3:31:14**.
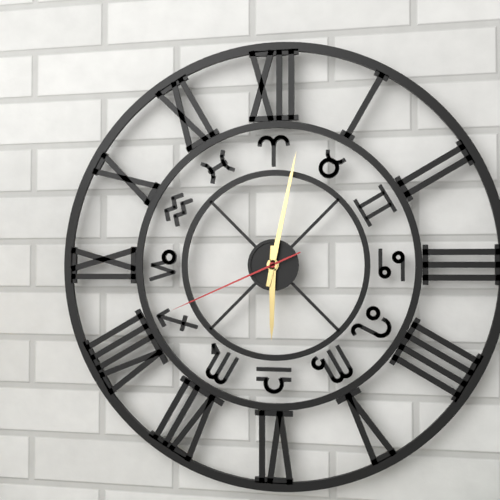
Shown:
**6:02:41**
